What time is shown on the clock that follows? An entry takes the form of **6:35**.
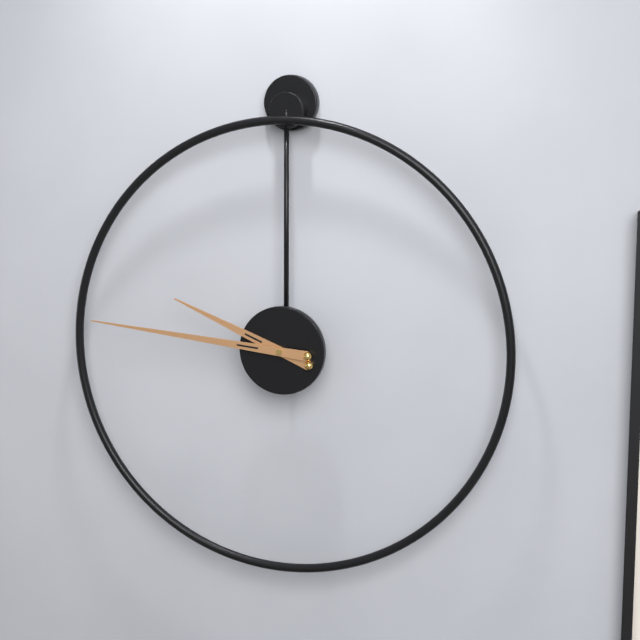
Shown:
**9:46**
